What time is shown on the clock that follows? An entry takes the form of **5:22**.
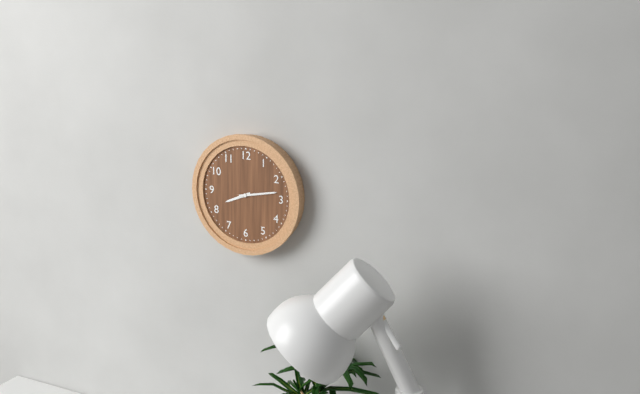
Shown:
**8:13**
